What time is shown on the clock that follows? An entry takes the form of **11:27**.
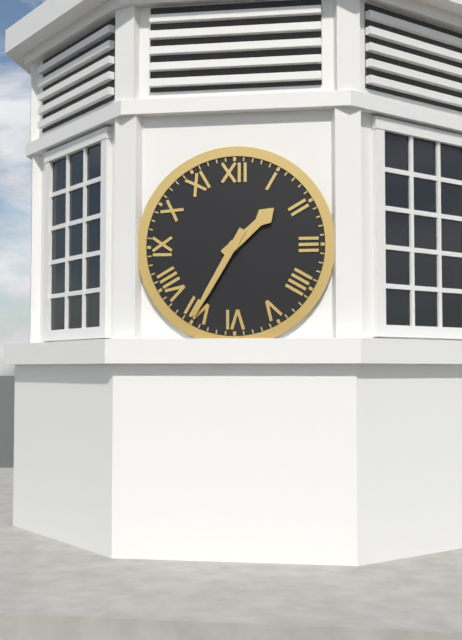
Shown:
**1:35**
